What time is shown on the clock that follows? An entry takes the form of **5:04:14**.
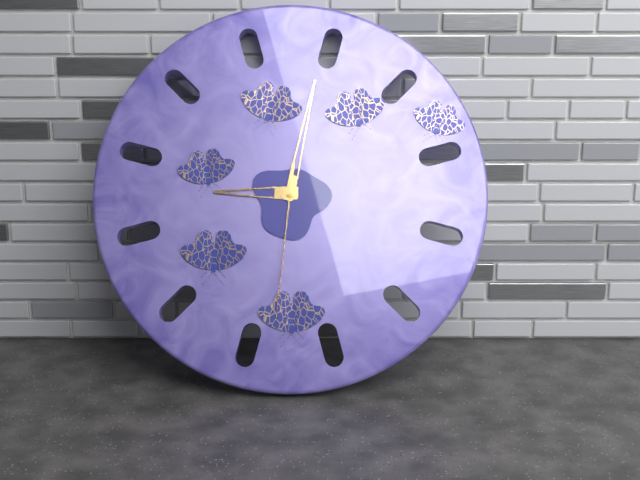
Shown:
**9:02:31**
